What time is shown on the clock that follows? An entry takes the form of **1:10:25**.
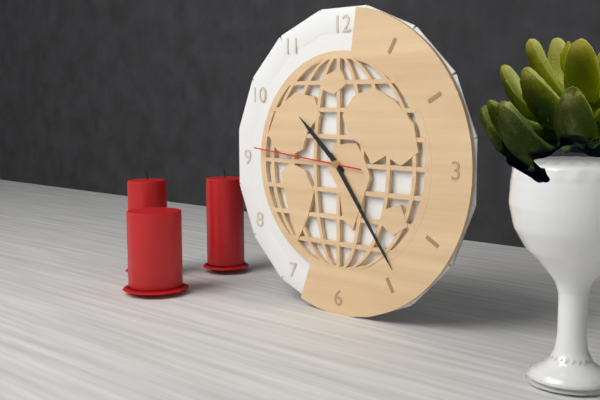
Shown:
**10:24:46**
